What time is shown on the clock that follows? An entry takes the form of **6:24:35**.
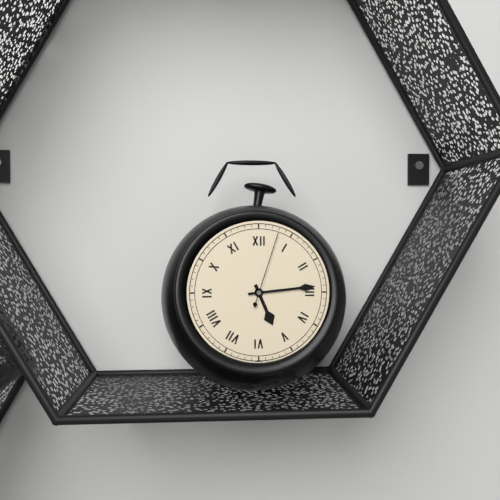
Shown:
**5:14:03**
